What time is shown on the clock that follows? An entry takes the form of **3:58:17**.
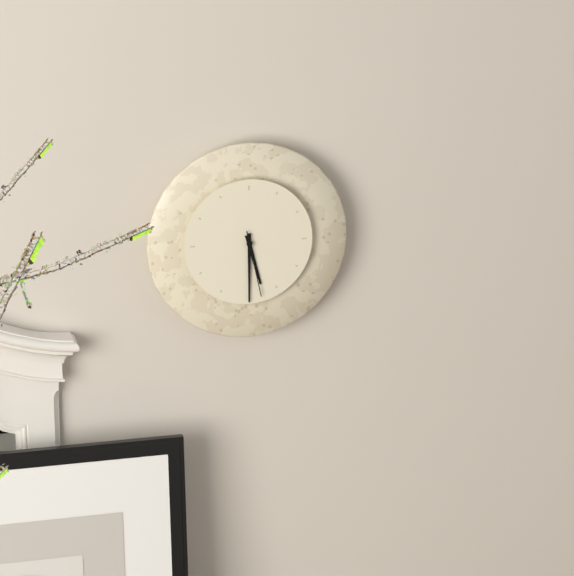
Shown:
**5:30:28**
